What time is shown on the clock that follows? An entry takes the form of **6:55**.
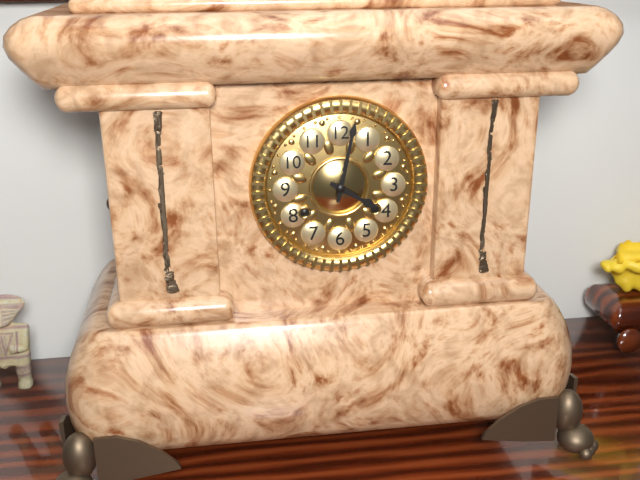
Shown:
**4:02**
